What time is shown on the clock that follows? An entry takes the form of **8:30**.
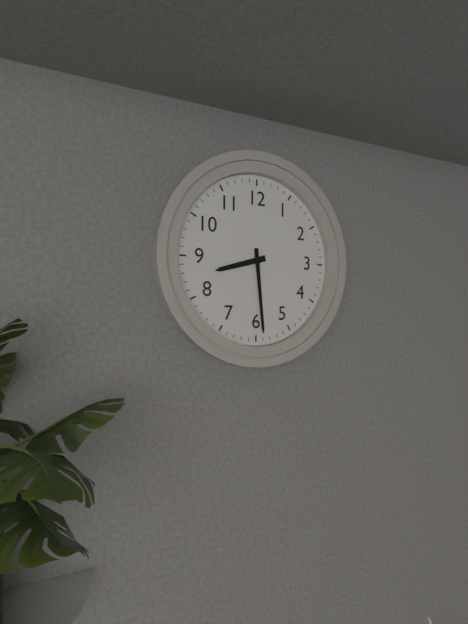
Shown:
**8:29**
